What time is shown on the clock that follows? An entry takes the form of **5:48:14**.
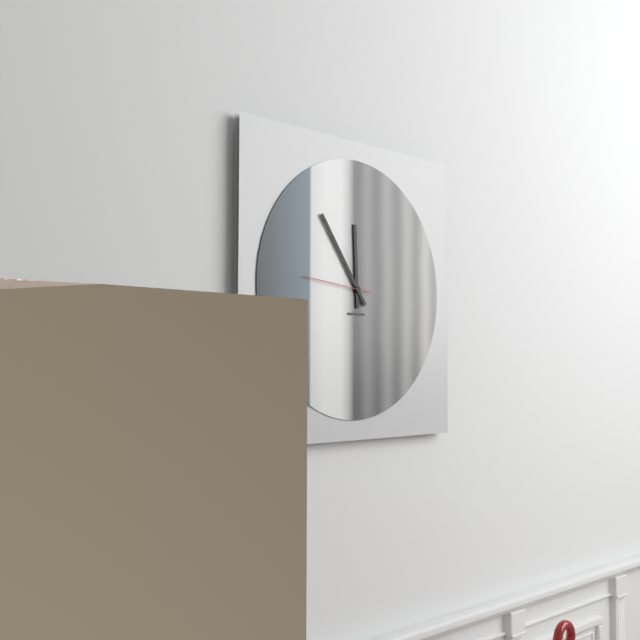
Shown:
**11:54:46**
